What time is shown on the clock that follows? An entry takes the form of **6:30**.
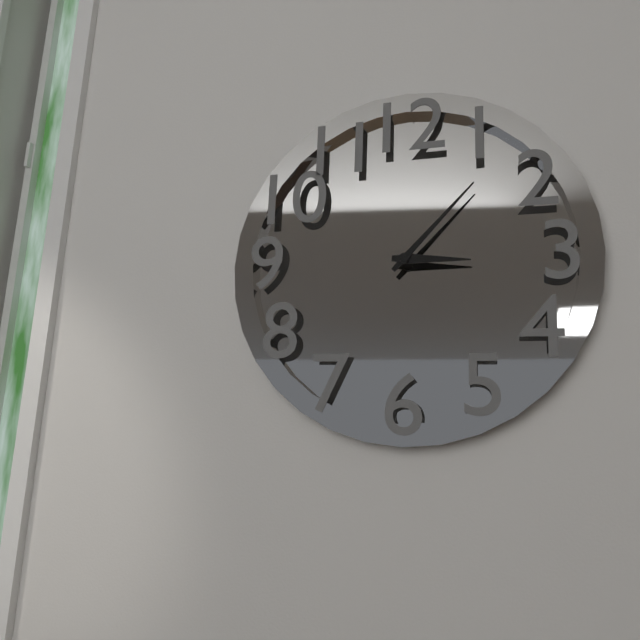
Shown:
**3:07**
